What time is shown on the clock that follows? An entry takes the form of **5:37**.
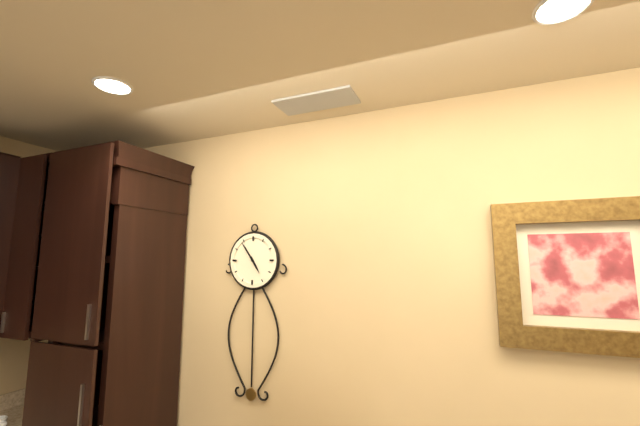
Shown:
**4:54**
